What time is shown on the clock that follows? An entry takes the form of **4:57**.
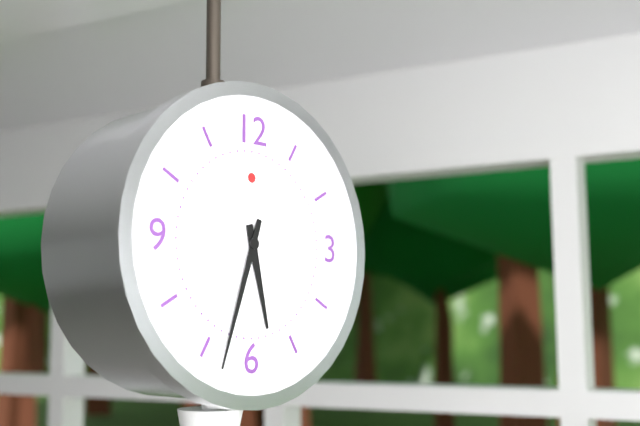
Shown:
**5:33**
